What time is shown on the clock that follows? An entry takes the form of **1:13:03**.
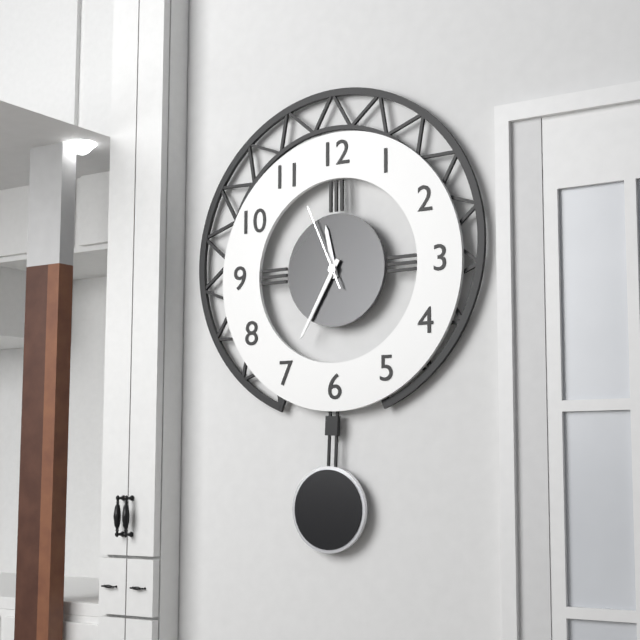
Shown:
**11:35:56**
